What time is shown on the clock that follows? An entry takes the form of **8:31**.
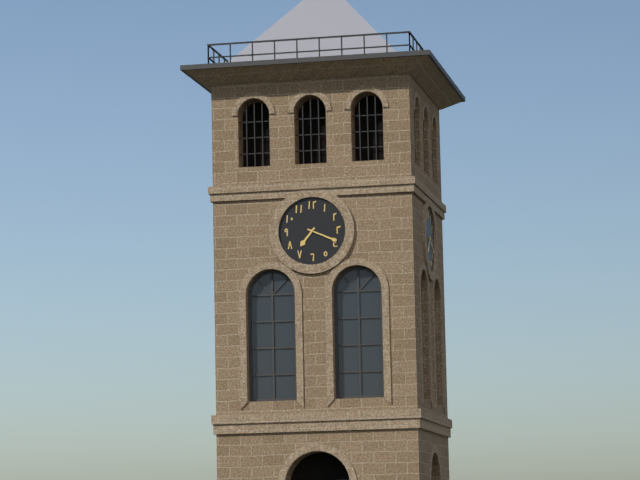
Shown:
**7:19**
